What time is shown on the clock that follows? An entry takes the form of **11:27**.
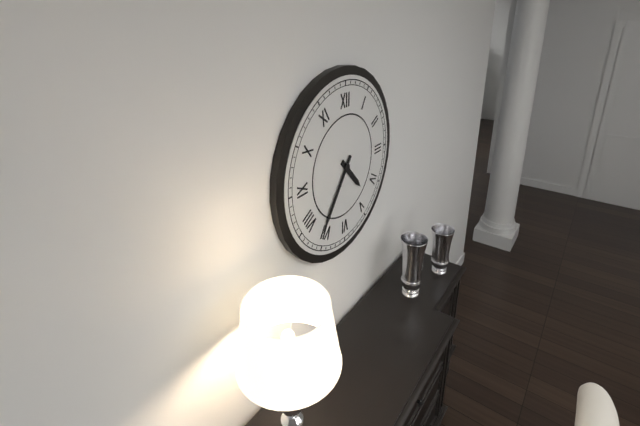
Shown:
**4:36**
